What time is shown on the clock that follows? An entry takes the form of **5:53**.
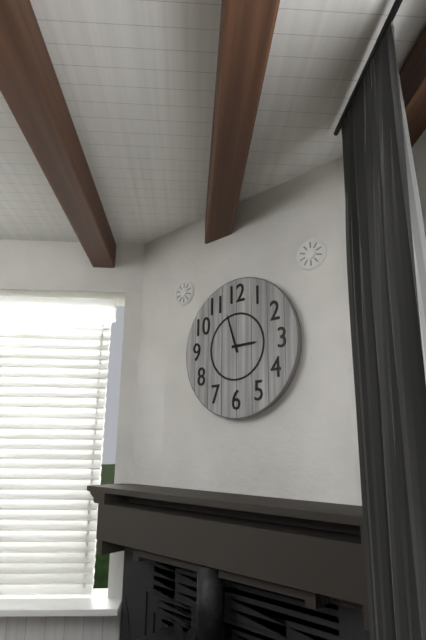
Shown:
**2:57**
